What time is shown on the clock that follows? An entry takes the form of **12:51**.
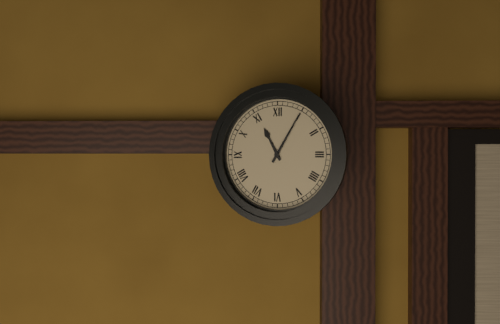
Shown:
**11:05**
